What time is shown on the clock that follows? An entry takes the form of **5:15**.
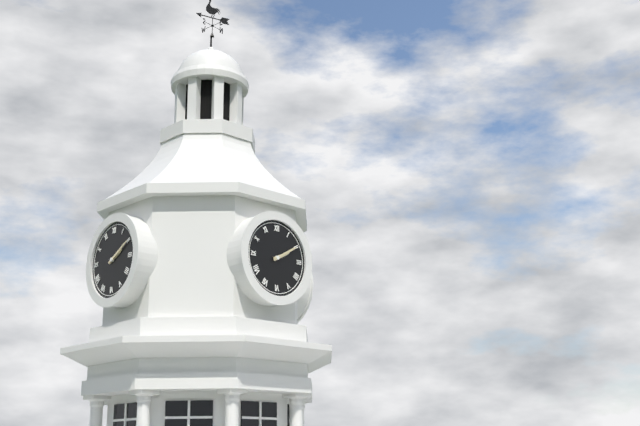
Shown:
**2:10**
